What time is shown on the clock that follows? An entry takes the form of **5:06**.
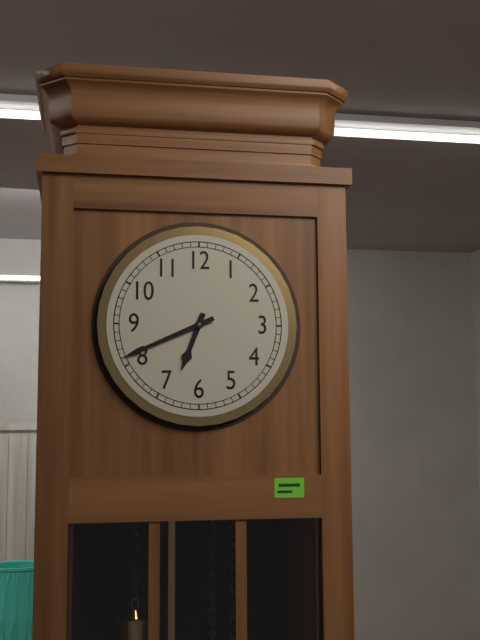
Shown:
**6:41**
